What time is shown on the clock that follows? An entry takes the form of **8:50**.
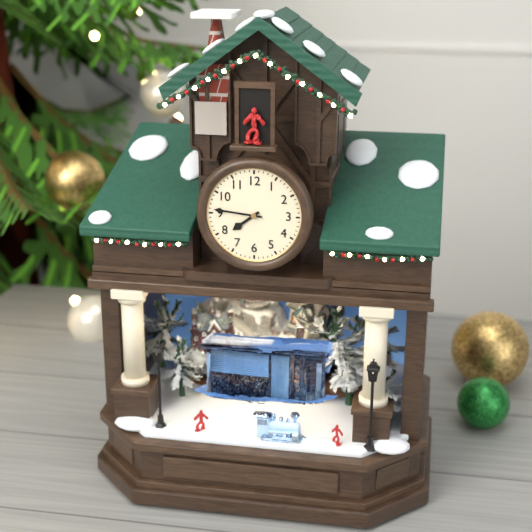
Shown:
**7:46**
